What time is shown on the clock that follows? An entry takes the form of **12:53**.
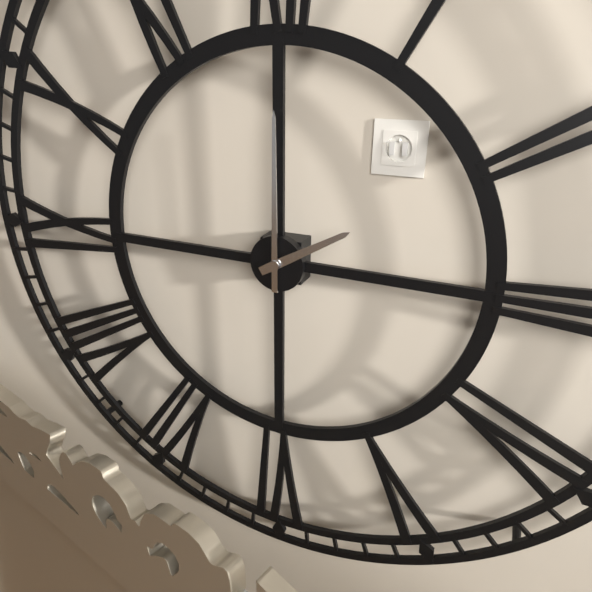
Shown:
**2:00**
